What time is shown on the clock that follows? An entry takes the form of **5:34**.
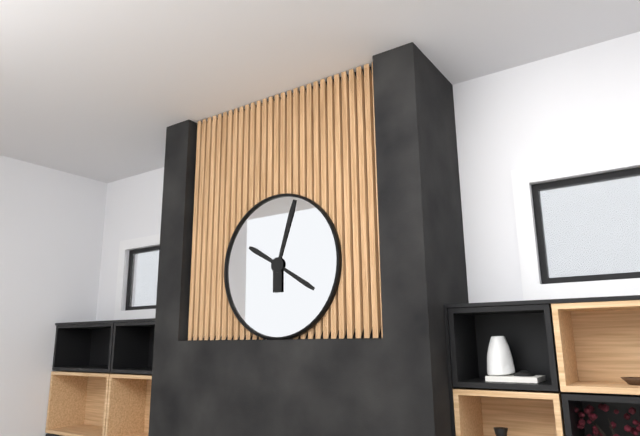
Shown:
**4:03**
